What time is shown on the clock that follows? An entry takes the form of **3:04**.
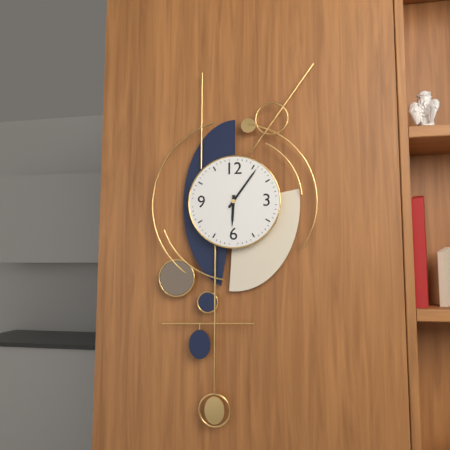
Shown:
**6:06**
